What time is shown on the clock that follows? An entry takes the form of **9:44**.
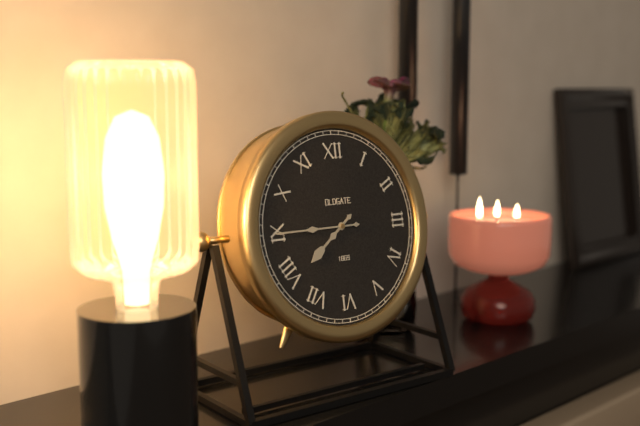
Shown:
**7:45**
